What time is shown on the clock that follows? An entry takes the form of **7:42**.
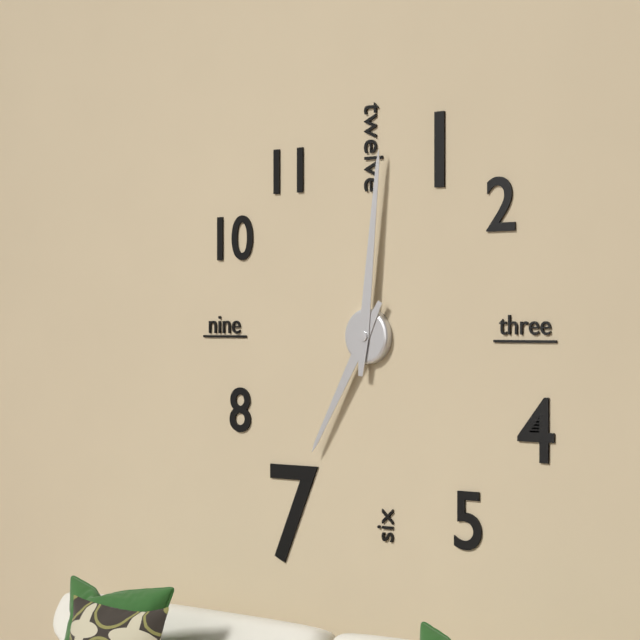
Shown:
**7:01**
